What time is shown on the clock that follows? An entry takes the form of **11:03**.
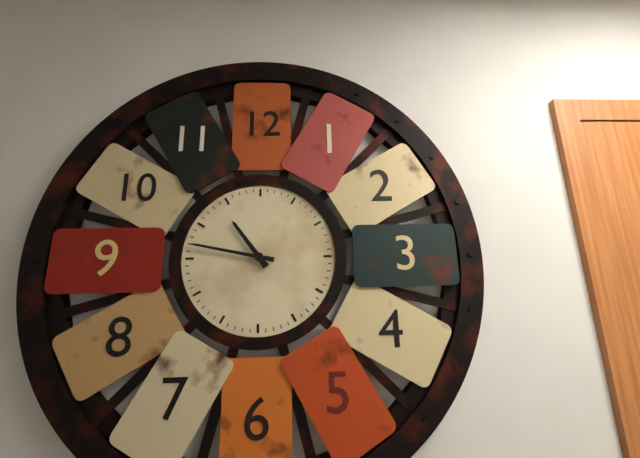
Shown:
**10:47**
